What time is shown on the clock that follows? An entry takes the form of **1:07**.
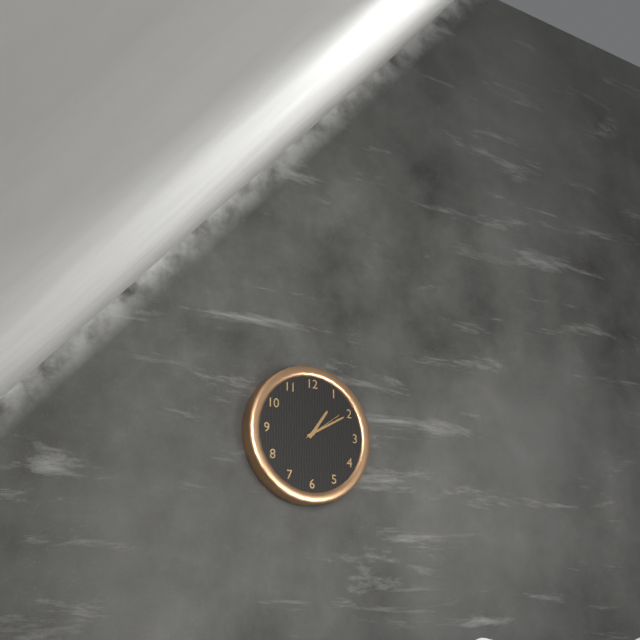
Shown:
**1:10**
